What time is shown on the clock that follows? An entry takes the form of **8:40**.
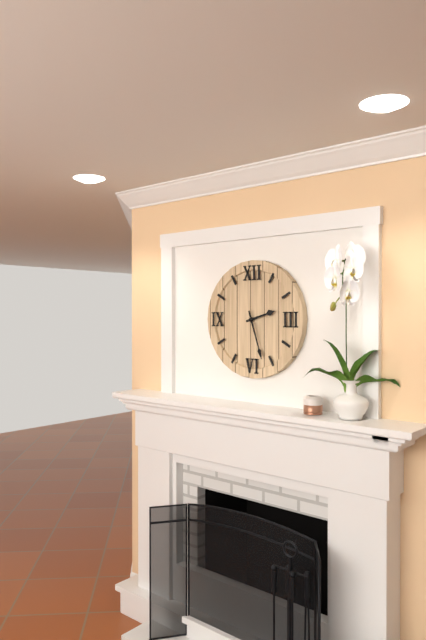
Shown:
**2:27**
